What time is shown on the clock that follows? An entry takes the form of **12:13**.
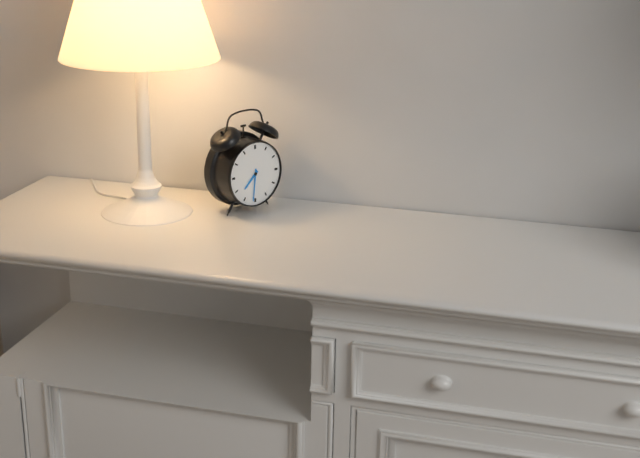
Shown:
**7:31**
